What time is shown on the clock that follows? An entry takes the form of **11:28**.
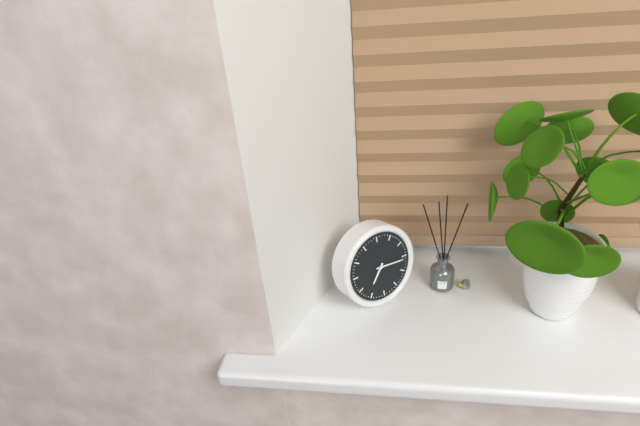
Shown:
**7:16**
